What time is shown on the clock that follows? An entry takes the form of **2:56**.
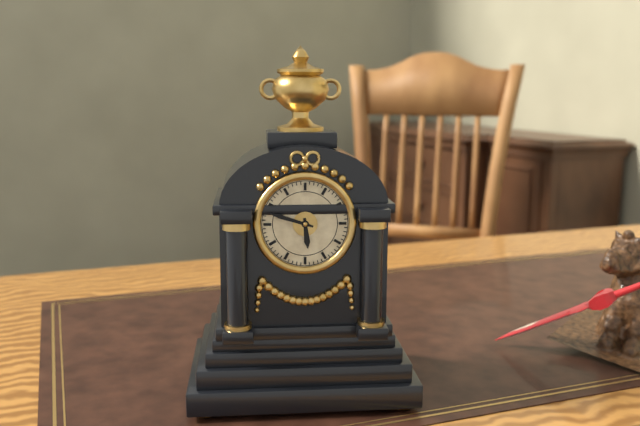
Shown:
**5:48**
